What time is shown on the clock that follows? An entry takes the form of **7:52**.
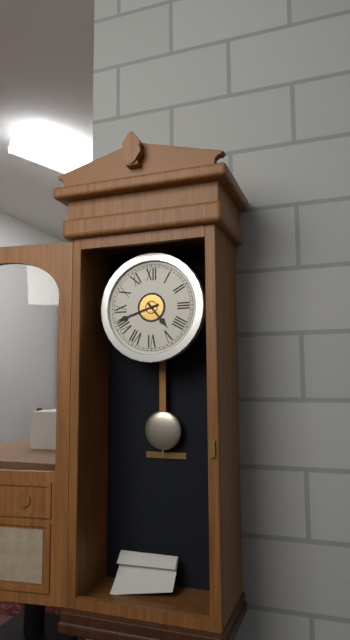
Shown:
**4:42**
